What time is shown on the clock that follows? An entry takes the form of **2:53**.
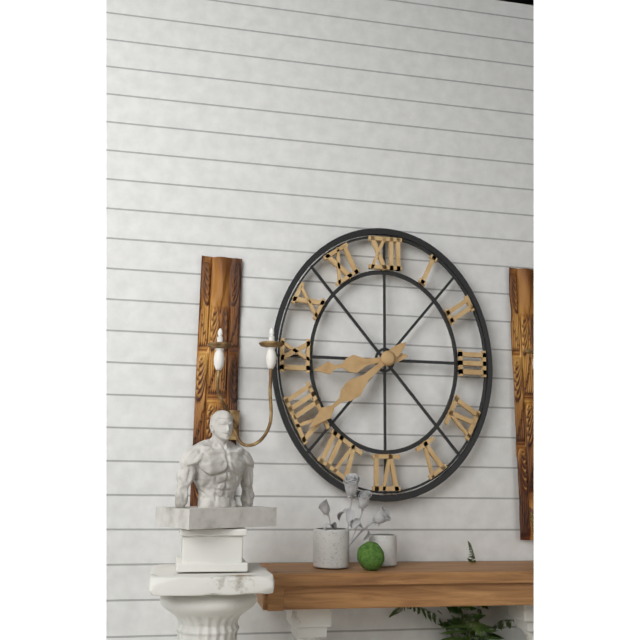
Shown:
**8:38**
